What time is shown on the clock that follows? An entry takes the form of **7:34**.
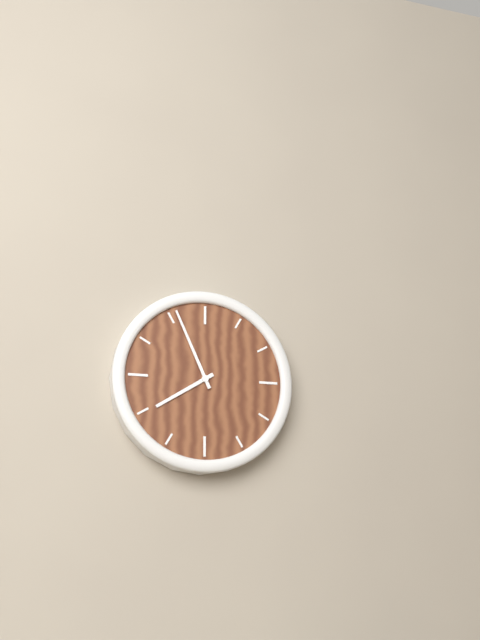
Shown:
**7:56**
